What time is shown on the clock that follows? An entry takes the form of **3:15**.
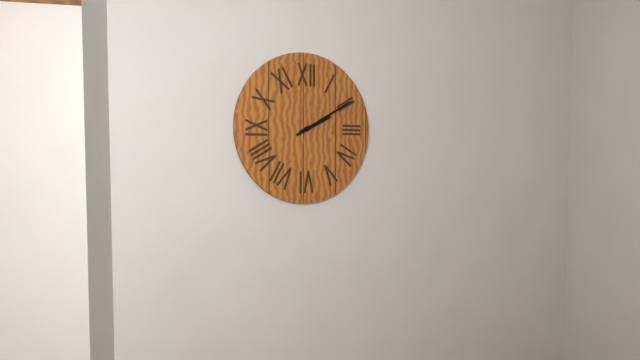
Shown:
**2:10**
